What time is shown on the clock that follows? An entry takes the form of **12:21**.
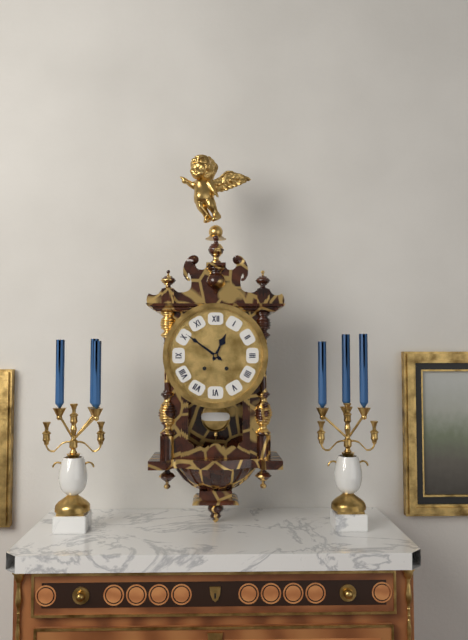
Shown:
**12:51**
